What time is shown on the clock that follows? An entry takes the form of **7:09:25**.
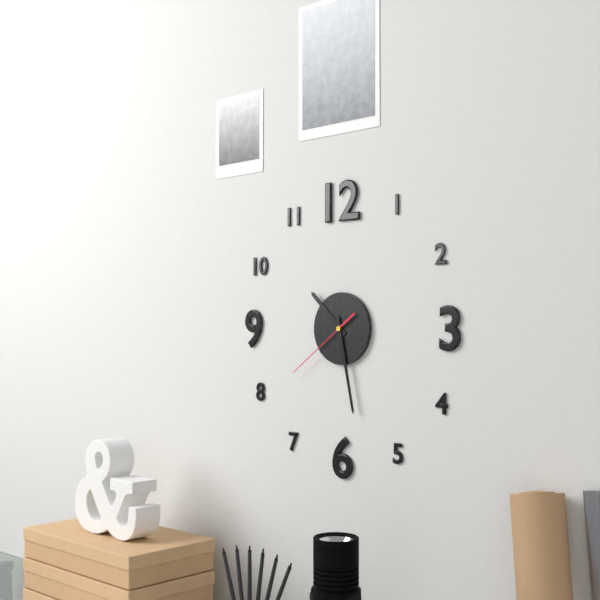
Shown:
**10:28:39**
